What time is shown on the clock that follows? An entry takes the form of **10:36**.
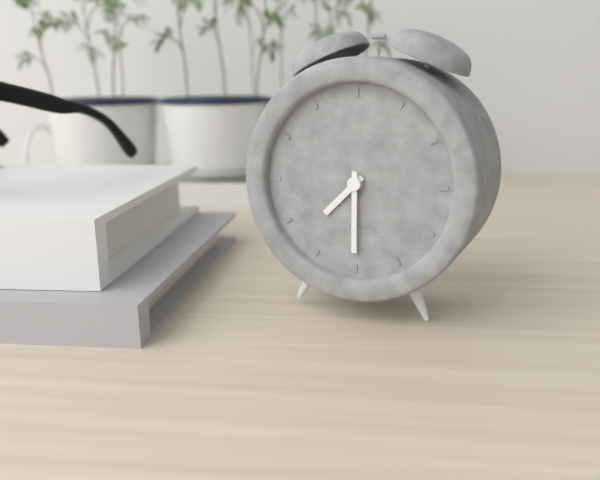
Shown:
**7:30**
